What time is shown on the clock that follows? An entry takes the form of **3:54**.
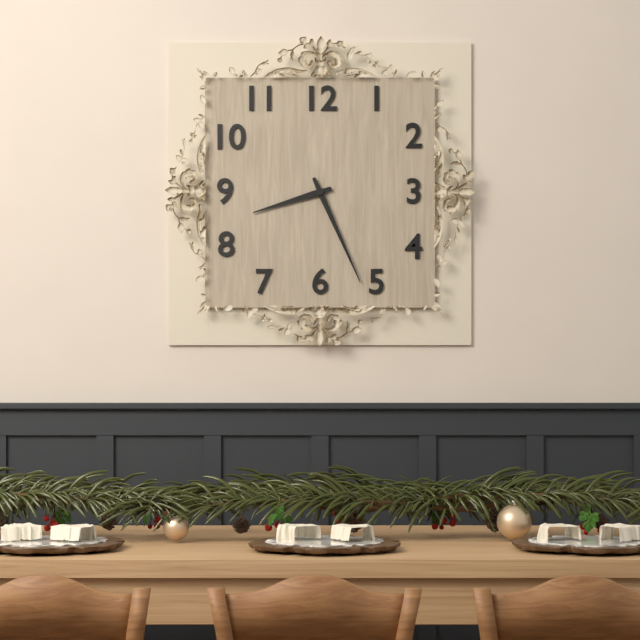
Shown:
**8:26**
